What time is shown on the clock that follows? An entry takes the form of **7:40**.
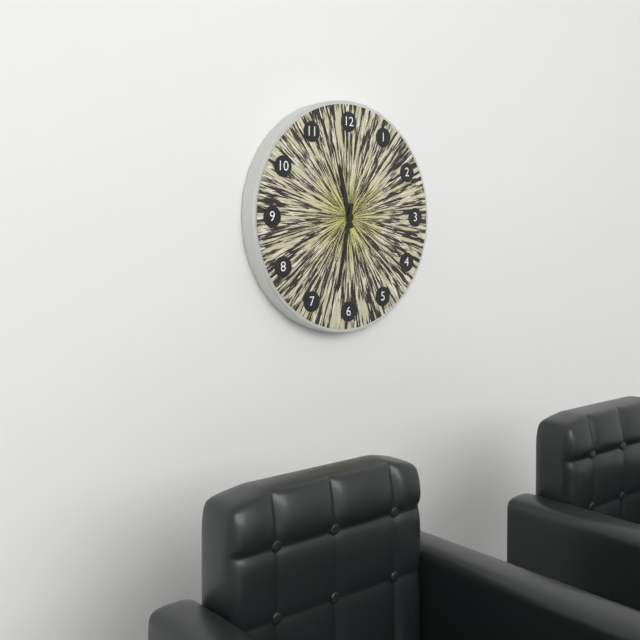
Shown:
**11:32**
